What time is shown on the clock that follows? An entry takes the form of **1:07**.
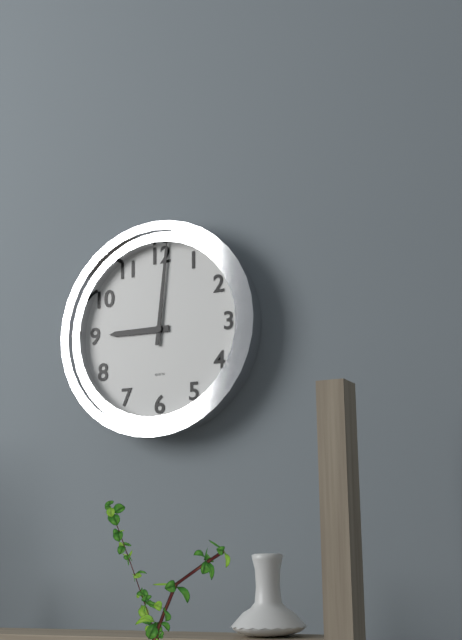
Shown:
**9:01**
